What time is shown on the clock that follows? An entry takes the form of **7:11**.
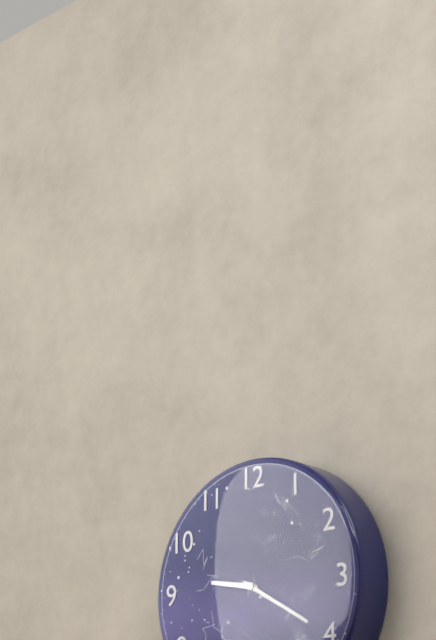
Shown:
**9:20**
